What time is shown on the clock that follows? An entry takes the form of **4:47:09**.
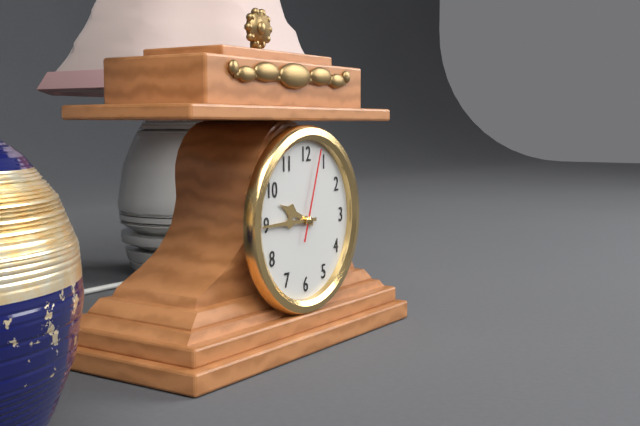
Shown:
**9:45:03**
